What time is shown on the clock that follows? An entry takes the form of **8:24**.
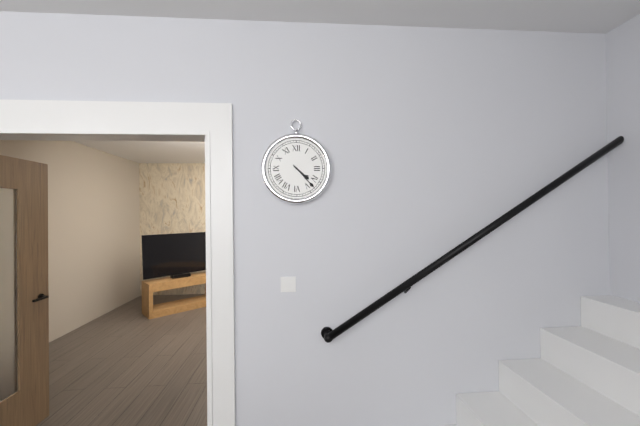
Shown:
**4:23**
